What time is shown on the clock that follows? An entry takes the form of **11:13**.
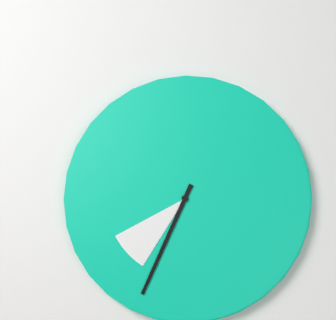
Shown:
**7:34**
